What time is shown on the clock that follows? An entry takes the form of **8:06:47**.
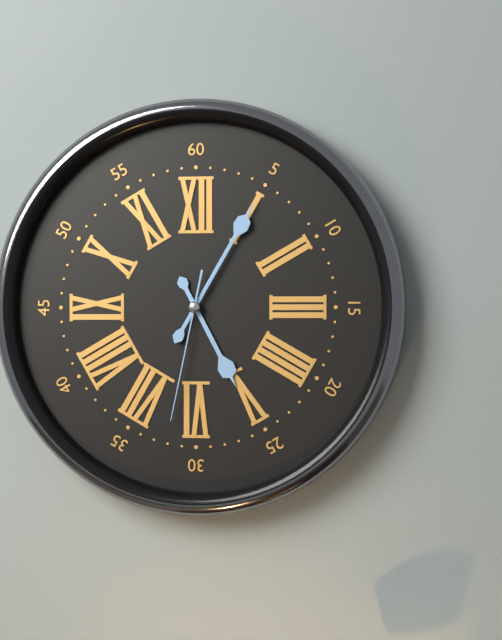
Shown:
**5:05:32**
